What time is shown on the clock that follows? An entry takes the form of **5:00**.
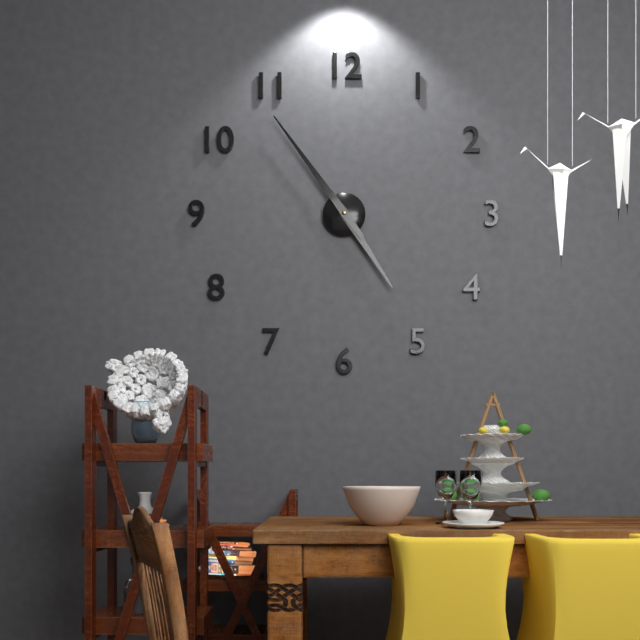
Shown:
**4:54**
